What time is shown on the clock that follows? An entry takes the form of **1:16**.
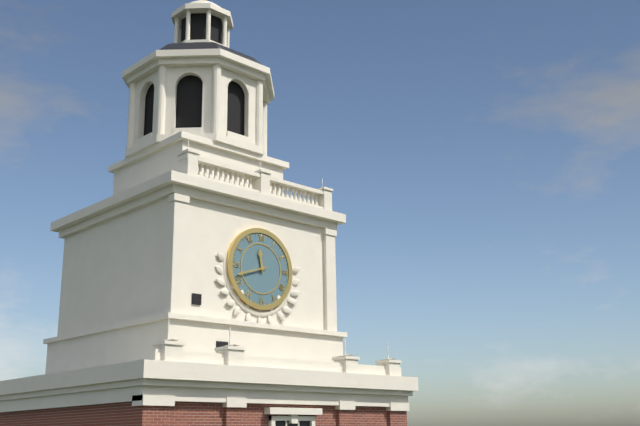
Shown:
**11:42**
